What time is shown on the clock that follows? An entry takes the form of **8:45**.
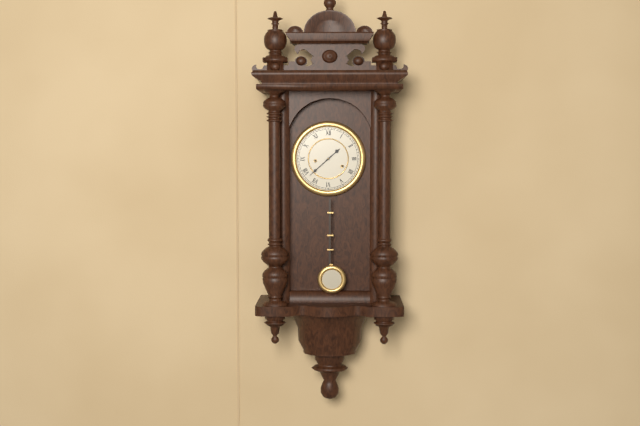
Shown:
**1:38**
